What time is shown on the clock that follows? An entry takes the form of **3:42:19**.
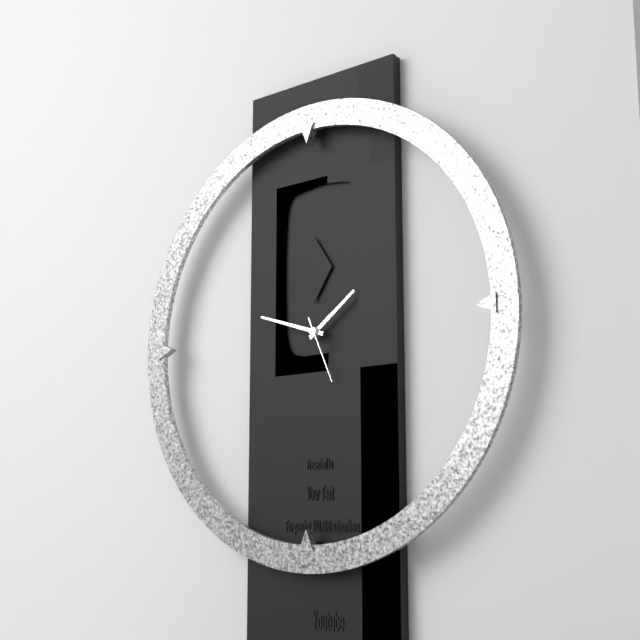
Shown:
**1:48:26**
